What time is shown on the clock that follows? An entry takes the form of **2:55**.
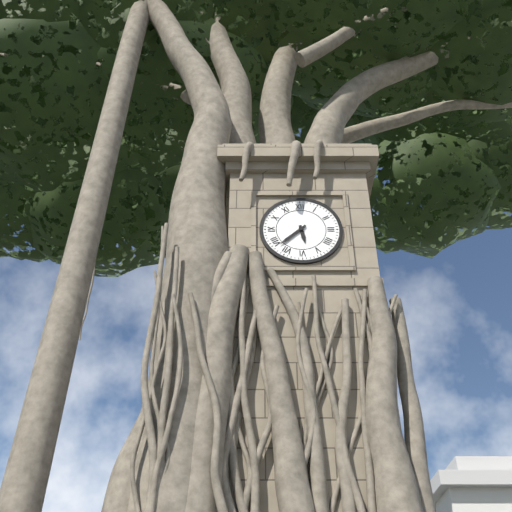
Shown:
**5:38**
